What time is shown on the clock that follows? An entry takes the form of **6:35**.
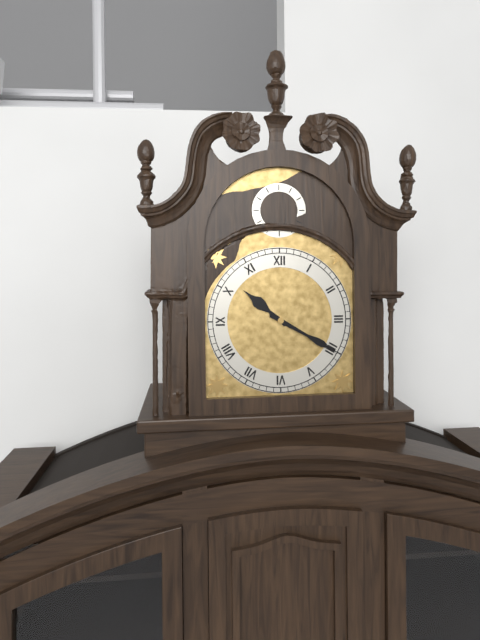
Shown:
**10:20**
